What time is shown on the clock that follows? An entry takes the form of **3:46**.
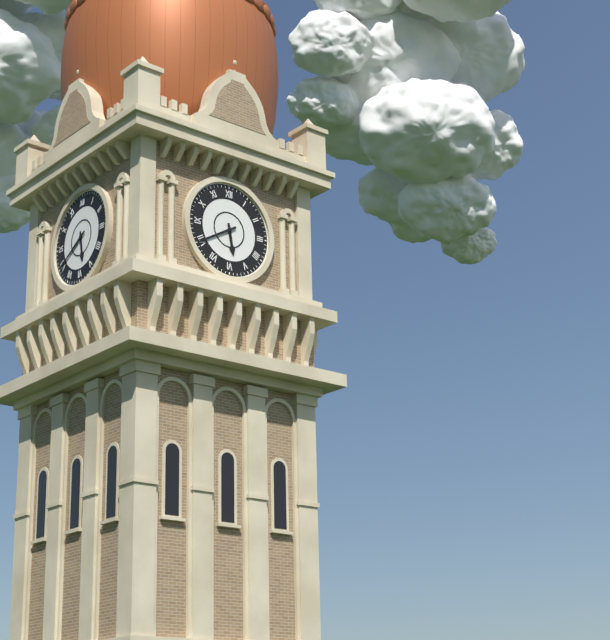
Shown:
**5:40**
